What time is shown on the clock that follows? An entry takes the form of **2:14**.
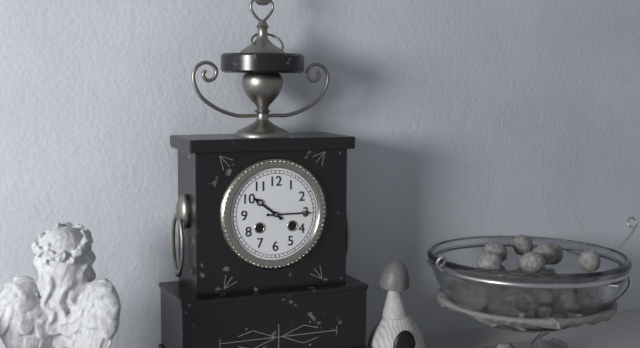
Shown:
**10:15**
